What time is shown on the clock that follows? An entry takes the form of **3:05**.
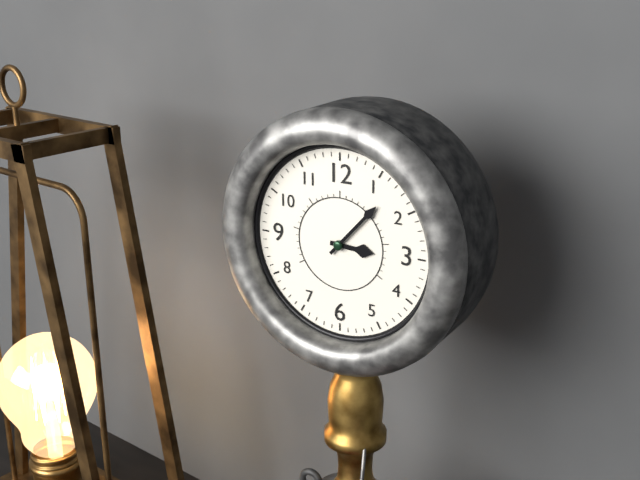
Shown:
**3:07**
